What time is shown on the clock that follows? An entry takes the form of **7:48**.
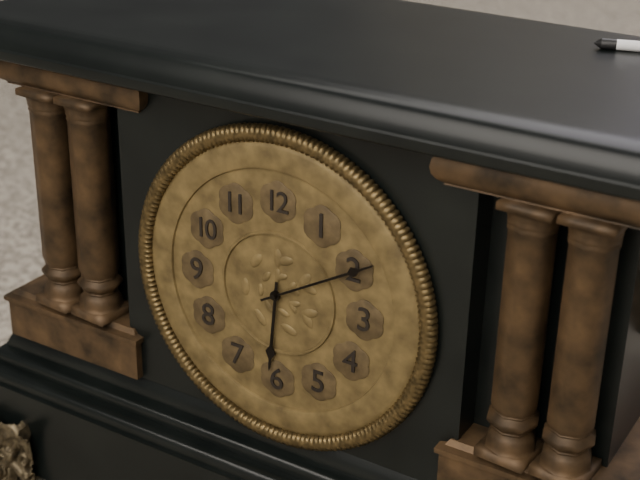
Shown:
**6:10**
